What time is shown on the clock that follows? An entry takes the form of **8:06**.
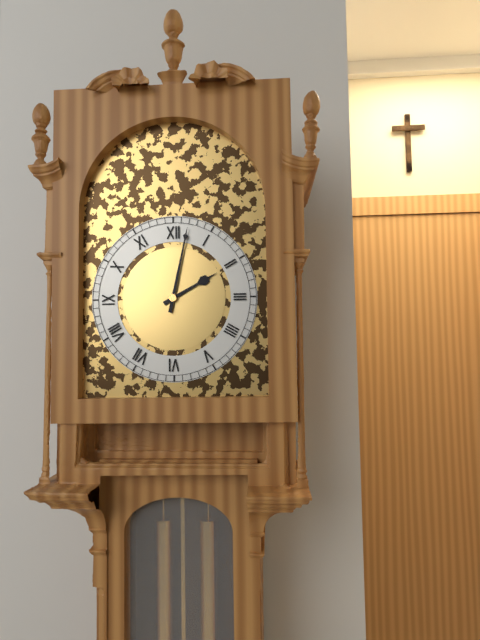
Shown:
**2:02**
